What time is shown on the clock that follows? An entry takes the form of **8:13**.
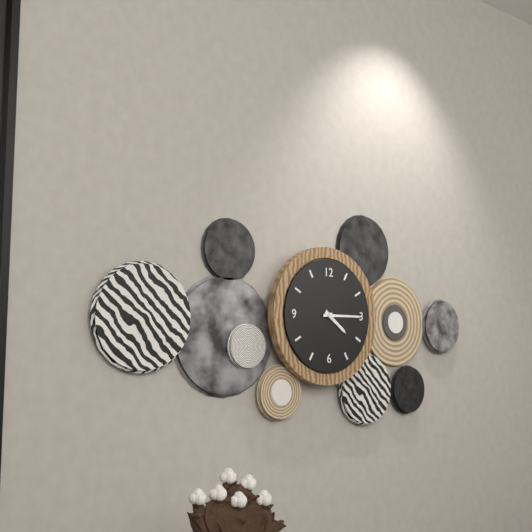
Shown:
**4:15**
